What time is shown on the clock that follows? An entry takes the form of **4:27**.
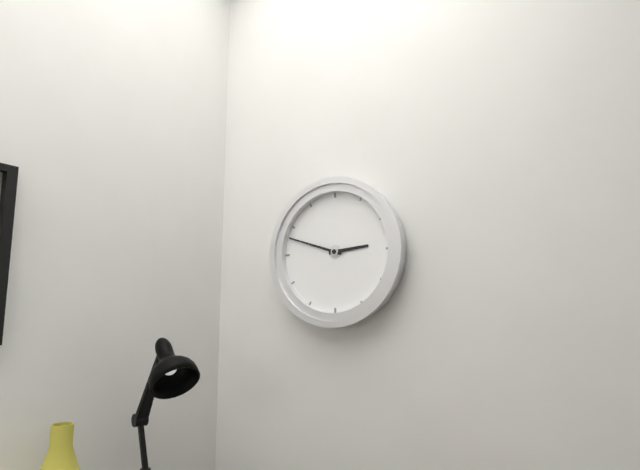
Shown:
**2:48**
